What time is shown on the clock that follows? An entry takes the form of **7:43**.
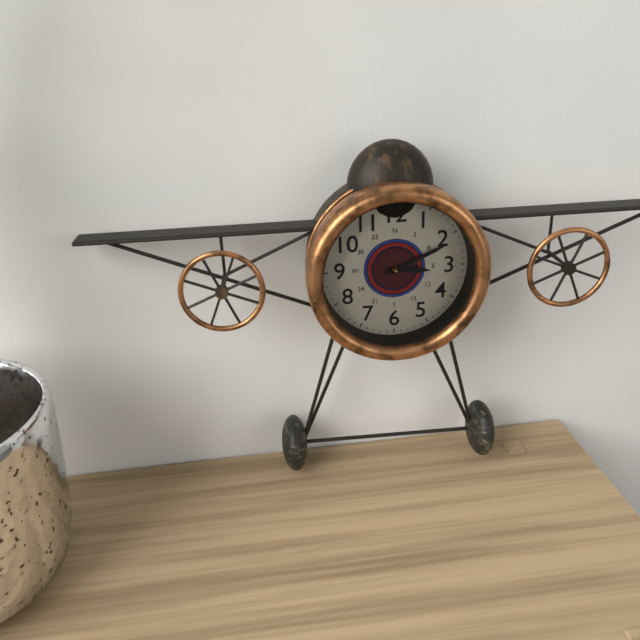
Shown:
**3:11**
